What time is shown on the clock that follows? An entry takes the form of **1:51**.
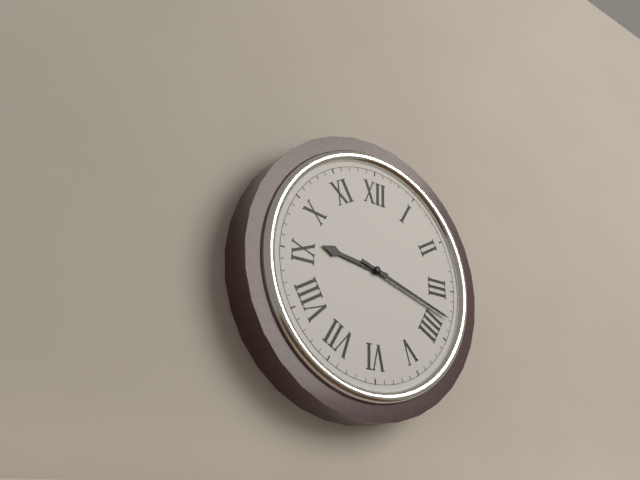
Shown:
**9:18**
